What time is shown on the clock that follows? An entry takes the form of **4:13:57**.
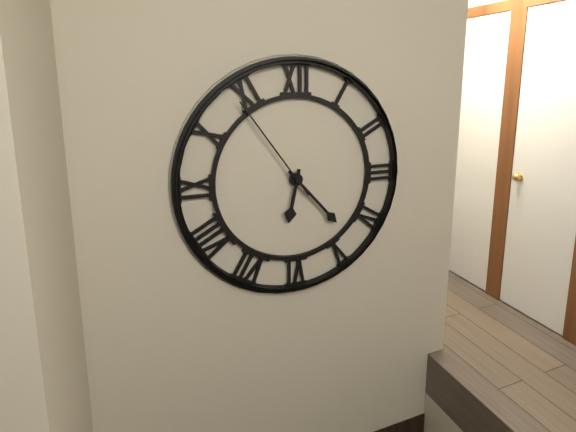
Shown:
**6:23:54**
